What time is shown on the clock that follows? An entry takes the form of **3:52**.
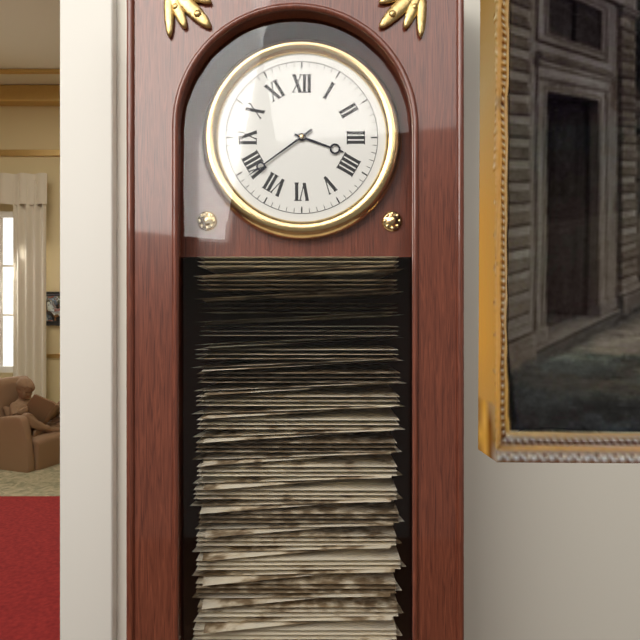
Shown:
**3:39**
